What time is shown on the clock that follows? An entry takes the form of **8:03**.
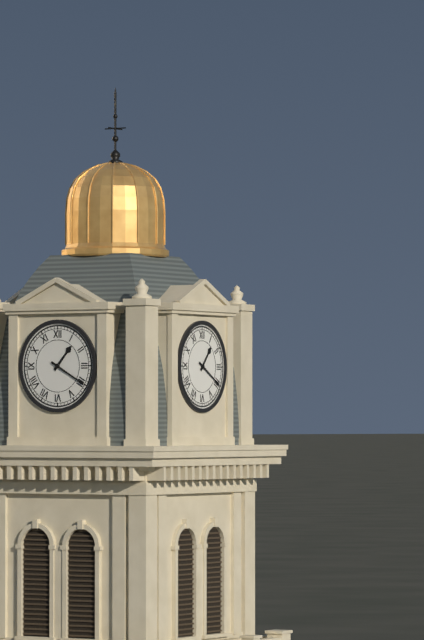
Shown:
**1:20**
